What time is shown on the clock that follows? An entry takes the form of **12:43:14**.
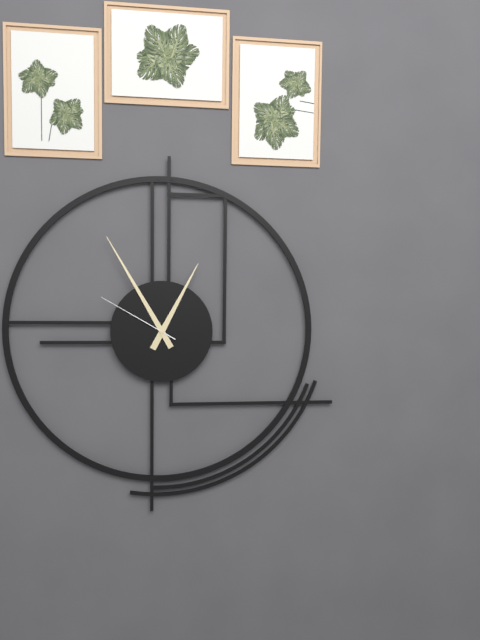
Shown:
**12:55:50**
